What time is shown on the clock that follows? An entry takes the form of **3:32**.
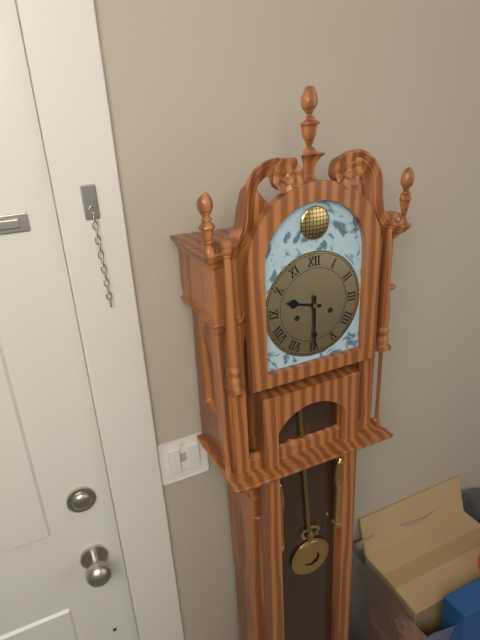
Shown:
**9:30**
